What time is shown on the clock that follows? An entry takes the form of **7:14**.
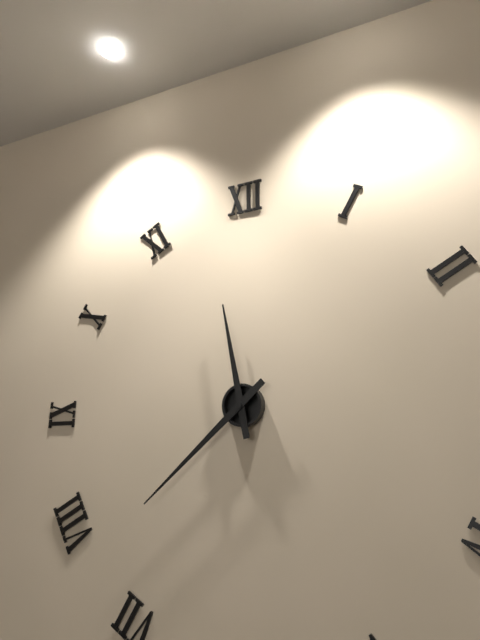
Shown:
**11:38**
